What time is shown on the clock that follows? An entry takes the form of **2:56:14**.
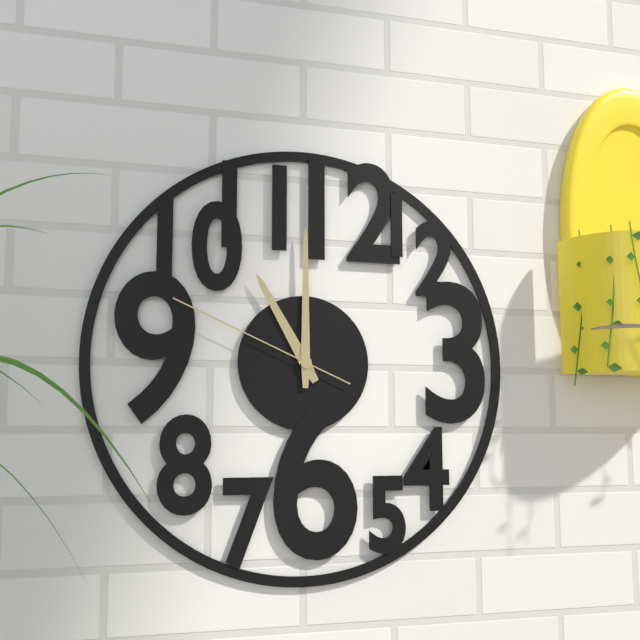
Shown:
**11:00:49**
